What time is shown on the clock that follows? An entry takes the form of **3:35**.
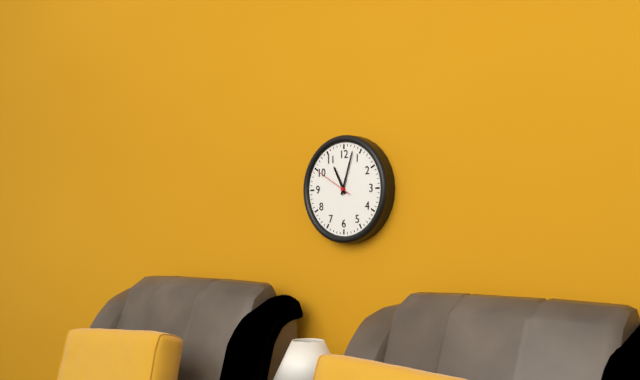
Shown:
**11:03**
